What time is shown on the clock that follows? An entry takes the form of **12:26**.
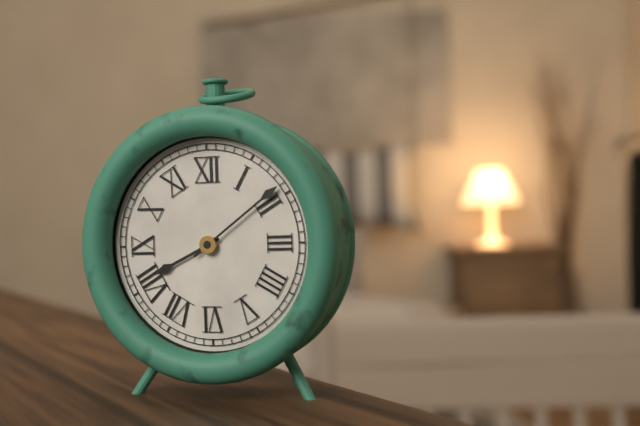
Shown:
**8:09**
